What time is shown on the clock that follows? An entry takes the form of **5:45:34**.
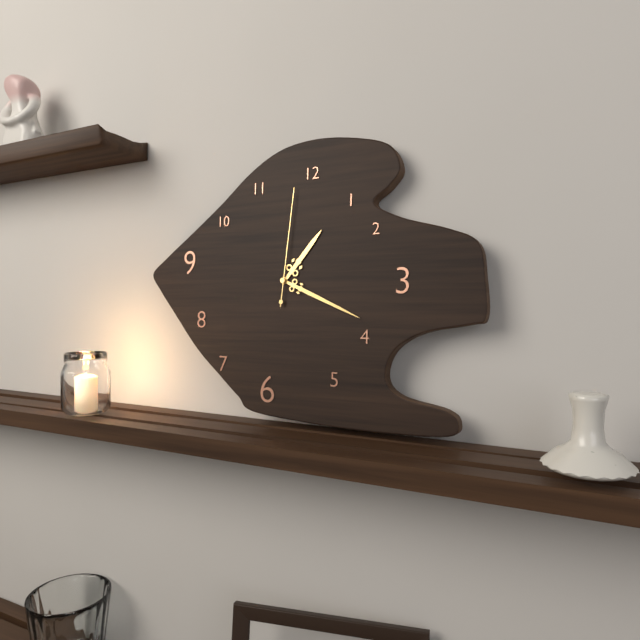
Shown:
**1:19:01**
